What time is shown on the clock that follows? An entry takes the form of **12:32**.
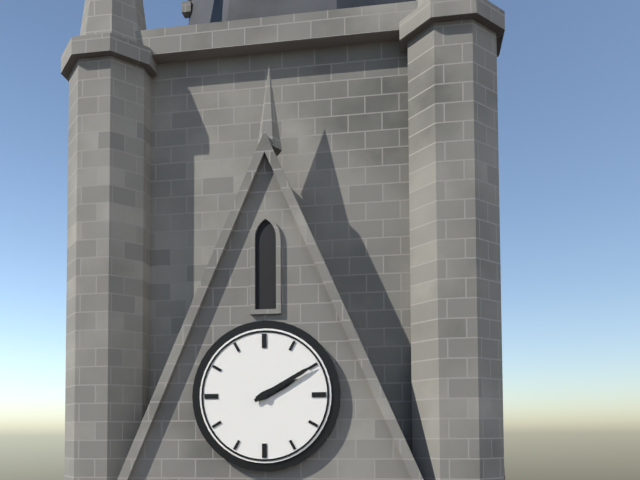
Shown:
**2:10**
